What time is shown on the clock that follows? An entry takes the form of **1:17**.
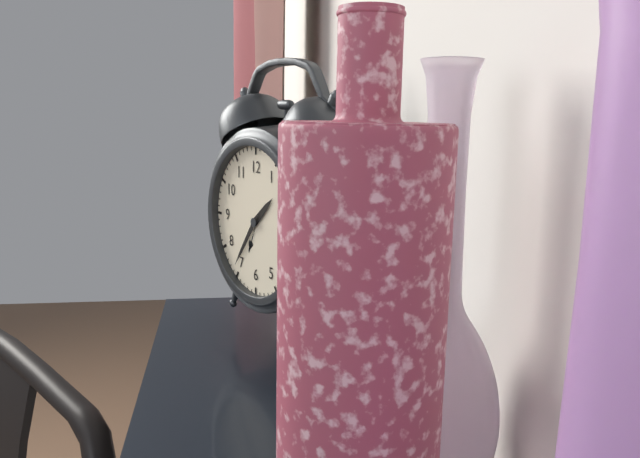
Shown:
**1:36**
